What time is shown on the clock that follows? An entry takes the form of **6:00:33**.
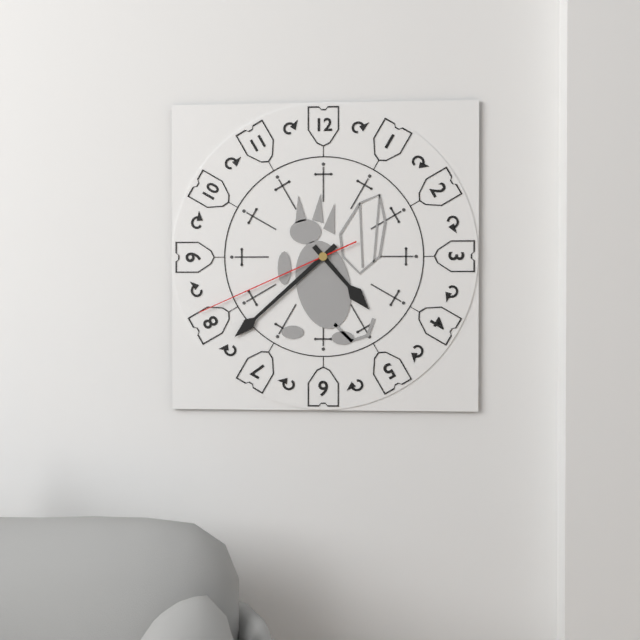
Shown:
**4:38:41**
